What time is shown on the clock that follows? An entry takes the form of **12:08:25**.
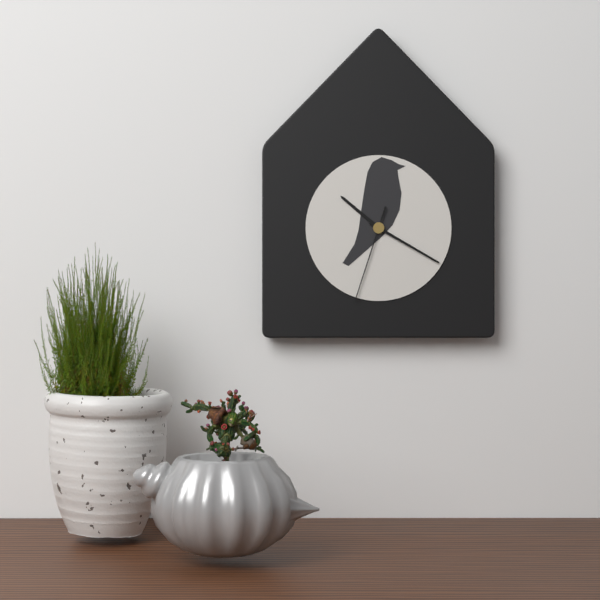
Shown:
**10:20:33**
